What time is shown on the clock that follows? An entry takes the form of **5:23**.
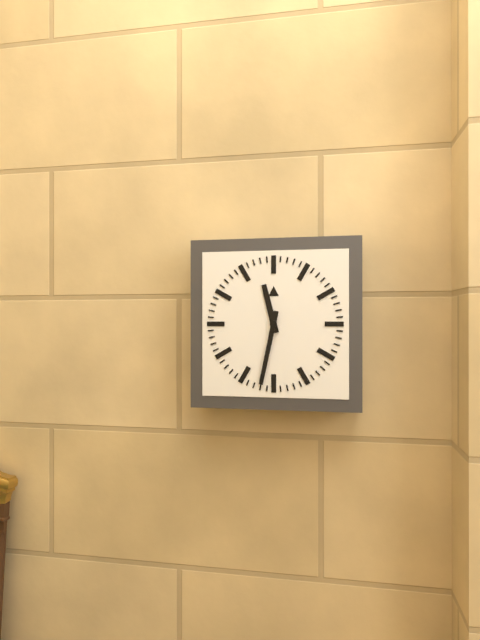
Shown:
**11:32**
